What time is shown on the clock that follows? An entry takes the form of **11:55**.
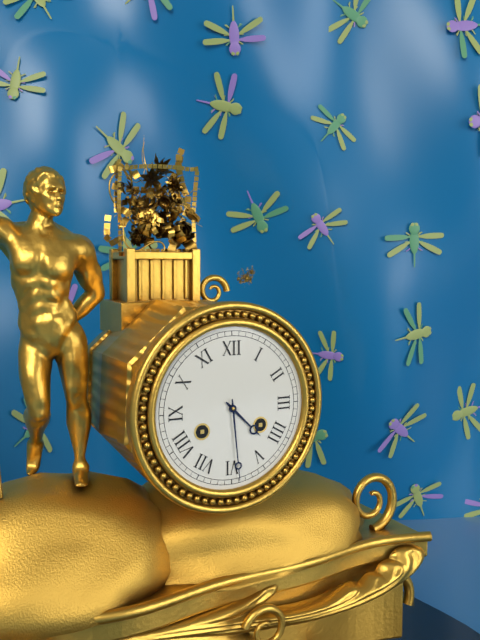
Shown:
**4:29**
